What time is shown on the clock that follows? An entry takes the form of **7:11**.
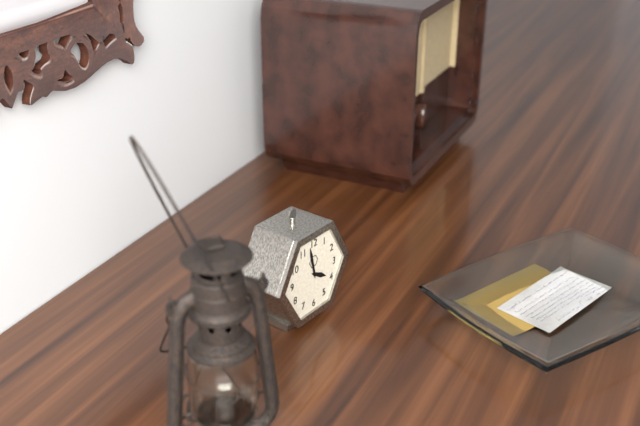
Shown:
**3:58**
